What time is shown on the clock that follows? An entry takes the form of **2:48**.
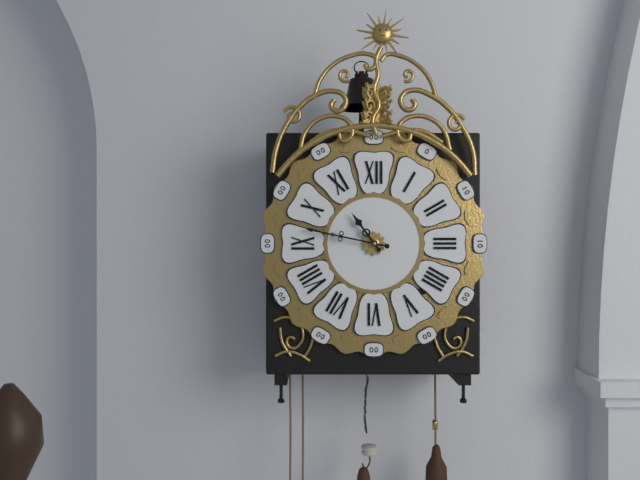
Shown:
**10:47**
